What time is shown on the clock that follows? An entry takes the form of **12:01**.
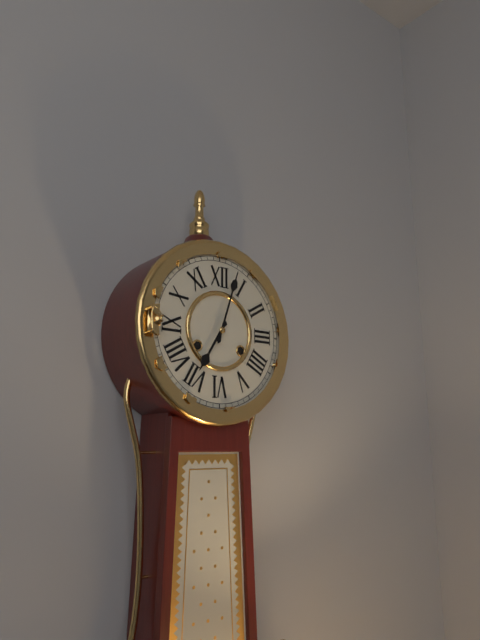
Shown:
**7:03**
